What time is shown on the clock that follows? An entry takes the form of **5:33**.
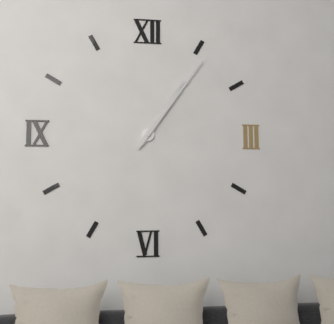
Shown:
**1:06**
